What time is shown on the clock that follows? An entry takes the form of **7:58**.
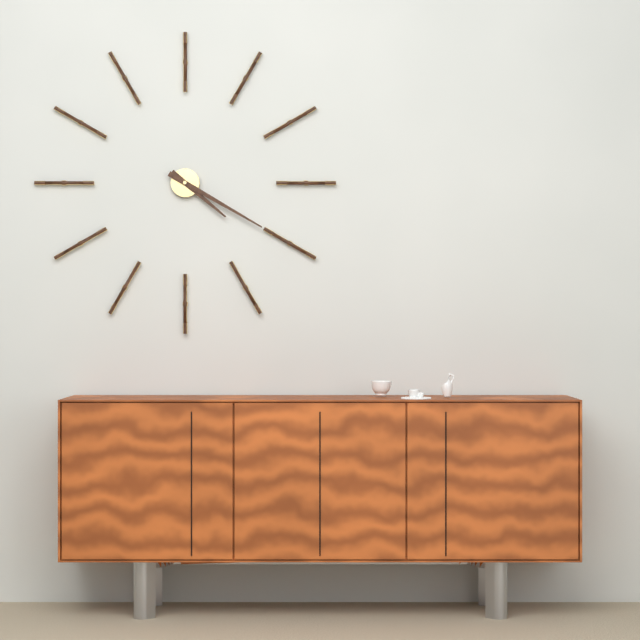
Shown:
**4:20**
